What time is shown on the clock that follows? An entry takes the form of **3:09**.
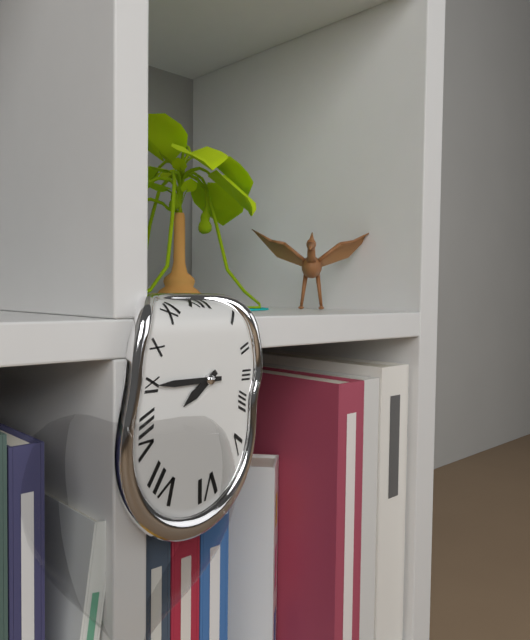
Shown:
**7:45**
